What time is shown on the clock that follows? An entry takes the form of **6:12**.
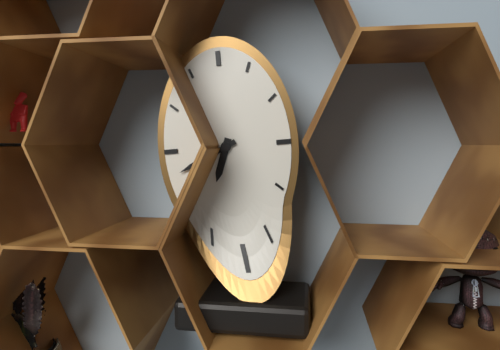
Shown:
**6:41**
